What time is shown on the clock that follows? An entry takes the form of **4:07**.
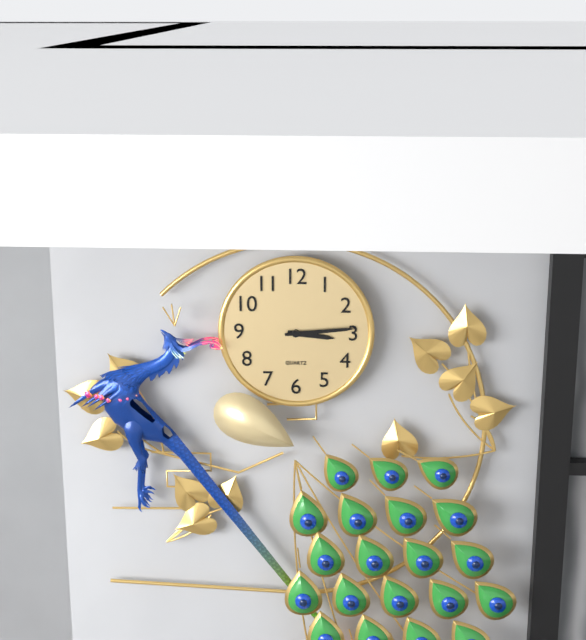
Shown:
**3:14**
